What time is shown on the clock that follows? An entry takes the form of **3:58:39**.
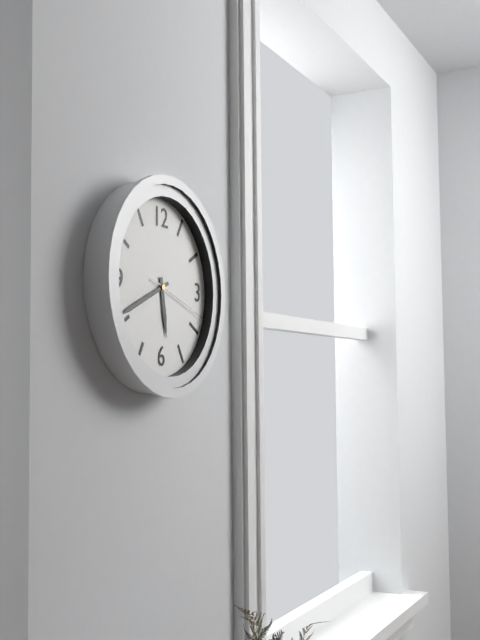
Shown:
**5:41:18**
